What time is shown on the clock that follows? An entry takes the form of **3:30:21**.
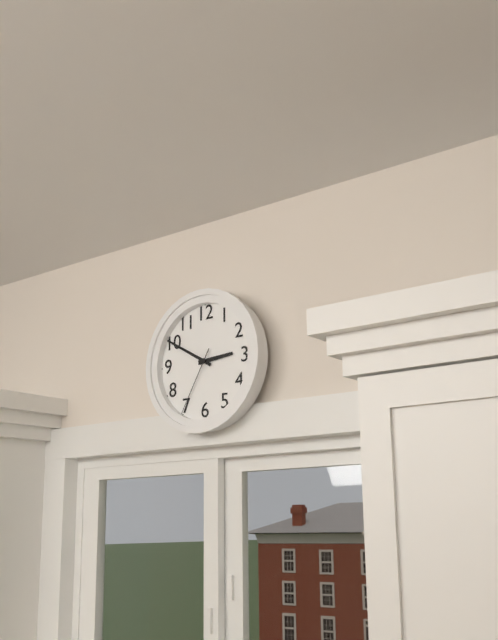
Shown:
**2:50:35**
